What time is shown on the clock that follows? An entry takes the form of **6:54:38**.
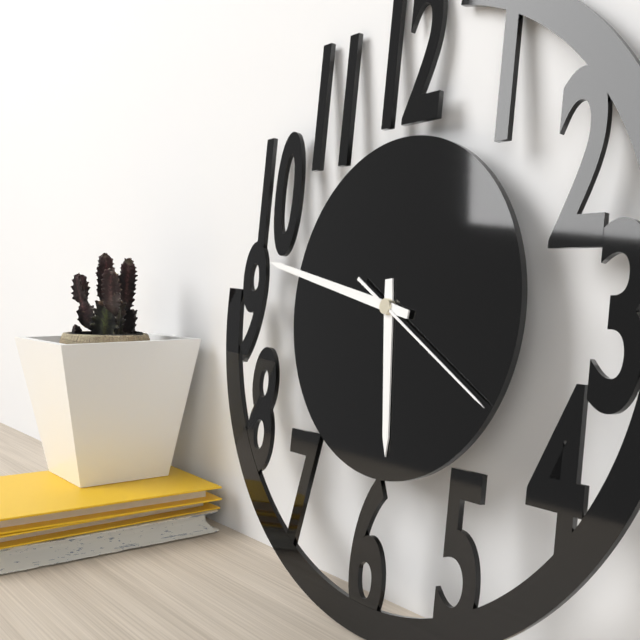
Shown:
**5:47:20**
